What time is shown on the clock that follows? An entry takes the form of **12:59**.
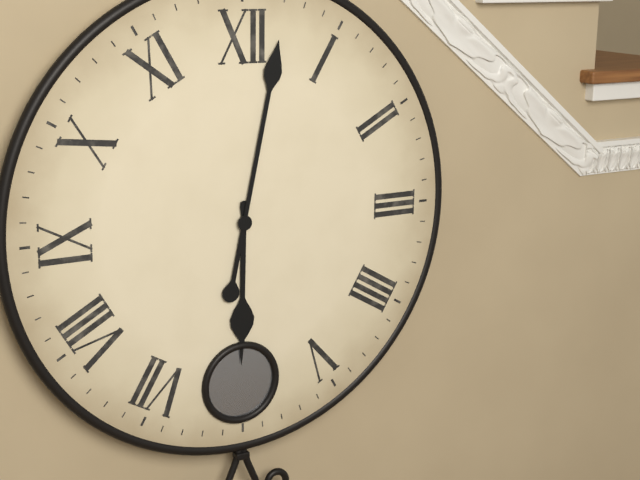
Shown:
**6:02**
